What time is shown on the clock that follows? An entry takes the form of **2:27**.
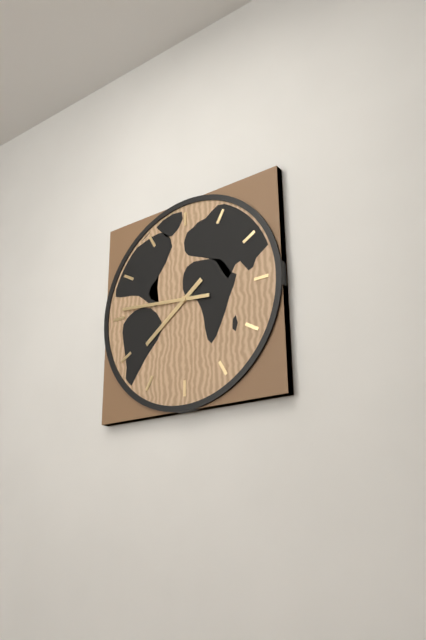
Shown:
**7:46**
